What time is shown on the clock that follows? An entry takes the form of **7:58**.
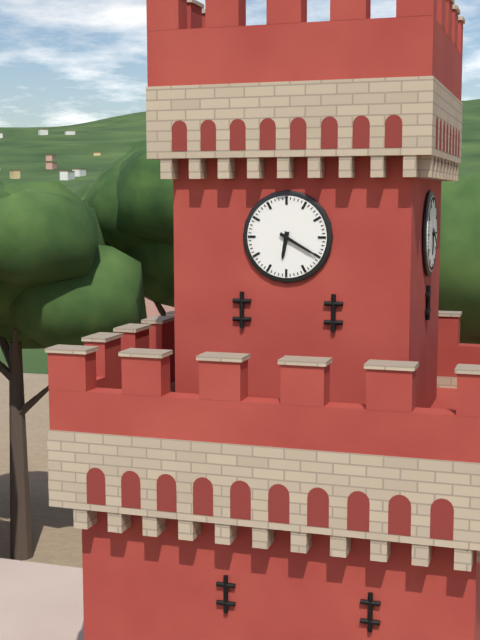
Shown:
**6:20**
